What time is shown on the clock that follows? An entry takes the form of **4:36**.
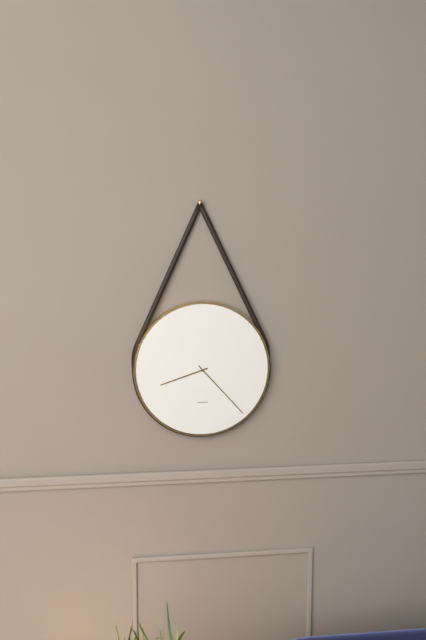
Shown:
**8:23**
